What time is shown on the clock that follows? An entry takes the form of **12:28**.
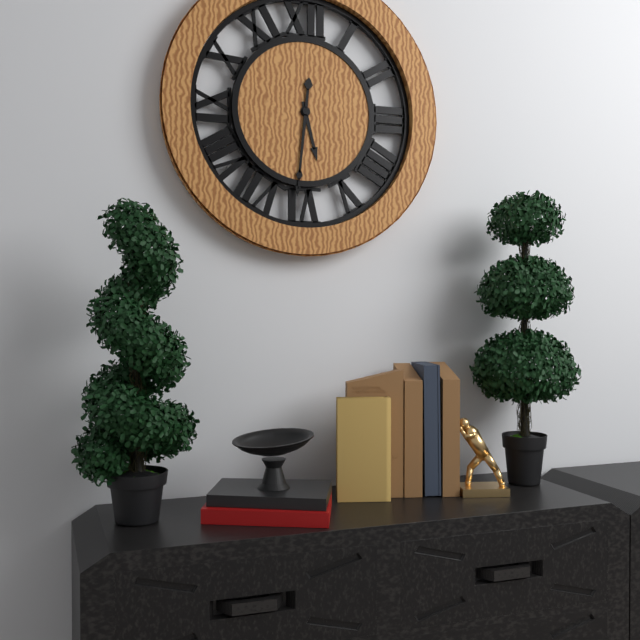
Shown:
**5:31**
